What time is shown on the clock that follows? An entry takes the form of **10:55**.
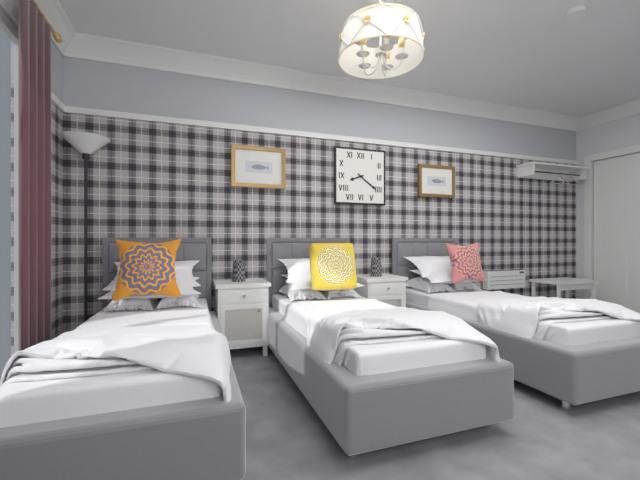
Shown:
**8:21**
